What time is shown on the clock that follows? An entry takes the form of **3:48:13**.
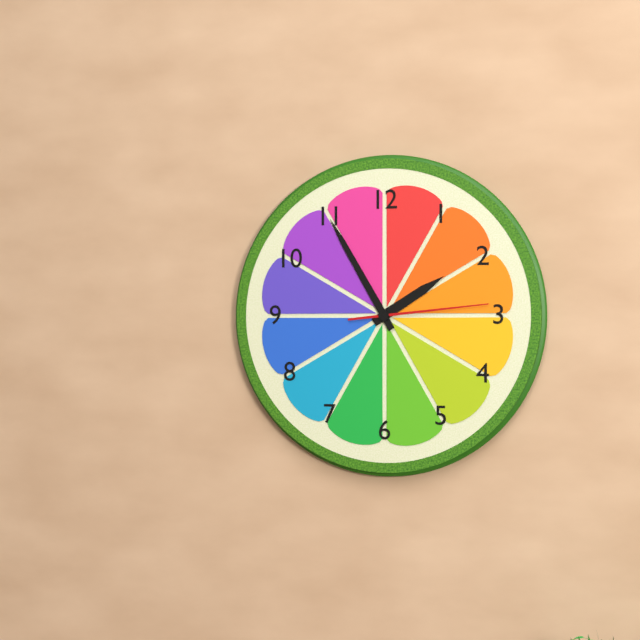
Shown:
**1:55:14**
